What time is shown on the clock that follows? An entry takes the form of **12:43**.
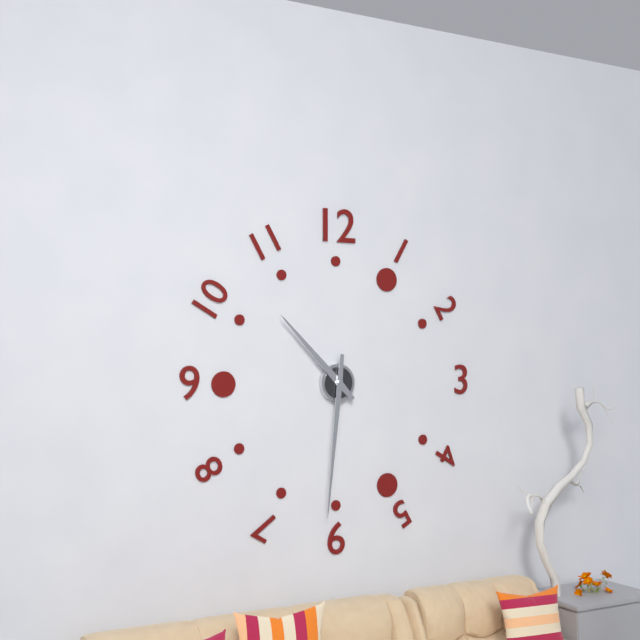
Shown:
**10:31**
